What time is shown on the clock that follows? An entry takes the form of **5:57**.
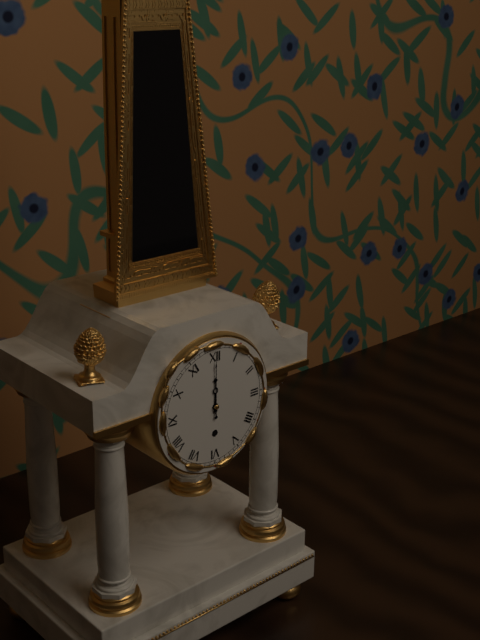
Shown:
**12:00**
